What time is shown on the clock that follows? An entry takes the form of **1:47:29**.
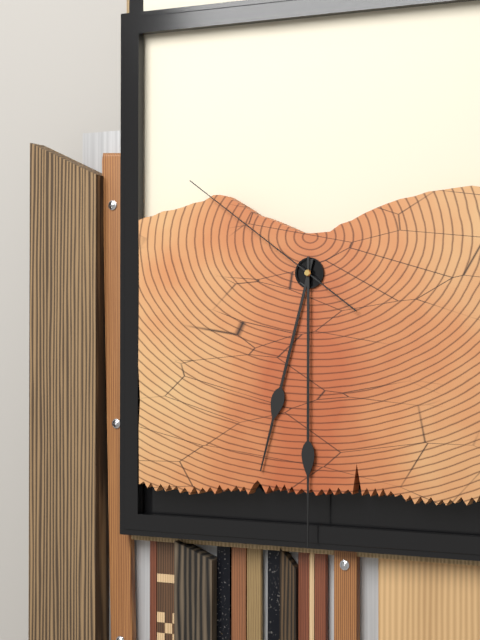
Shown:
**6:30:51**
